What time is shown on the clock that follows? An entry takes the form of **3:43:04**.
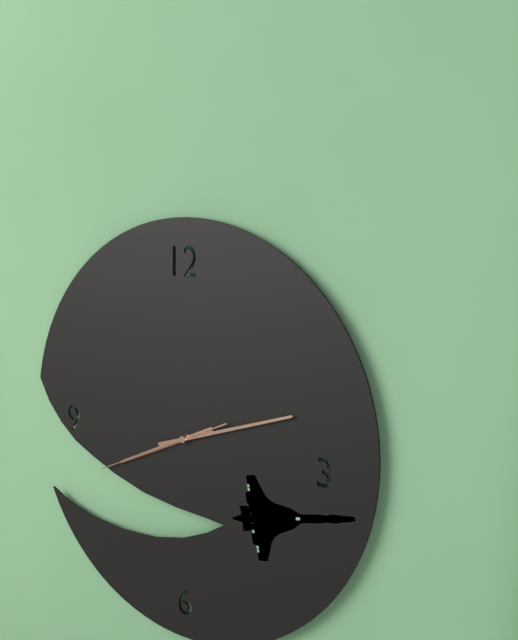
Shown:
**8:12:41**
